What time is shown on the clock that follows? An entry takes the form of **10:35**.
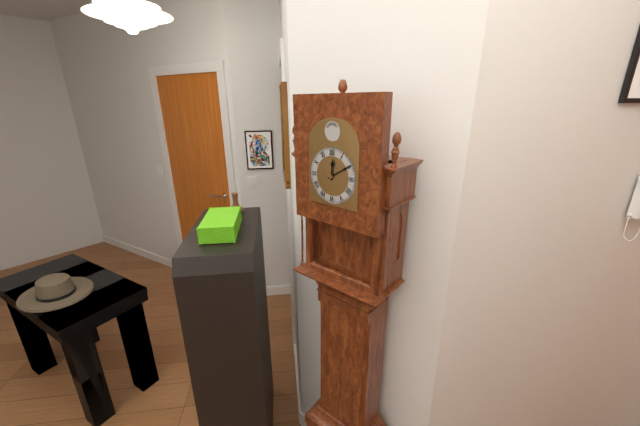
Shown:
**12:10**
